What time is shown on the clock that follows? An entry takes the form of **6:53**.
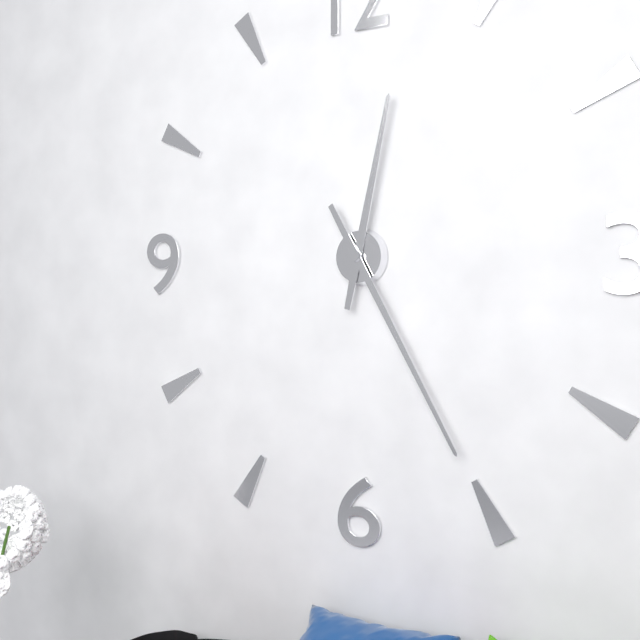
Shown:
**12:25**
